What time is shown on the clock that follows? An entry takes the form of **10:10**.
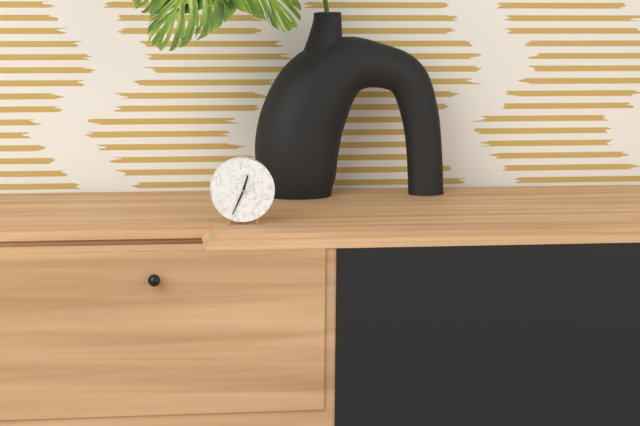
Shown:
**12:34**
